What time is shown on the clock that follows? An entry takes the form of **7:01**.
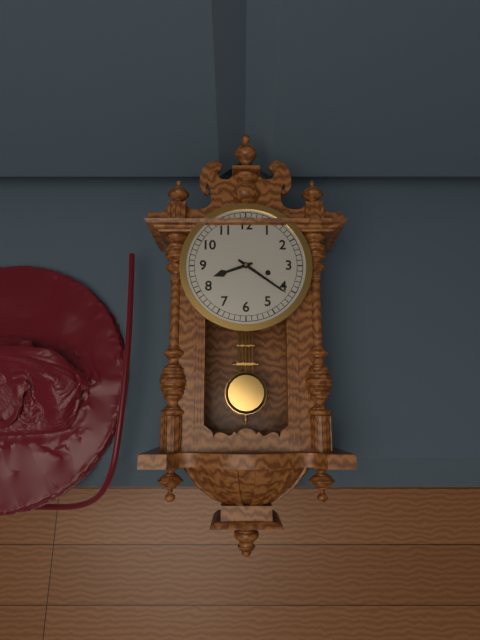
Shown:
**8:21**
